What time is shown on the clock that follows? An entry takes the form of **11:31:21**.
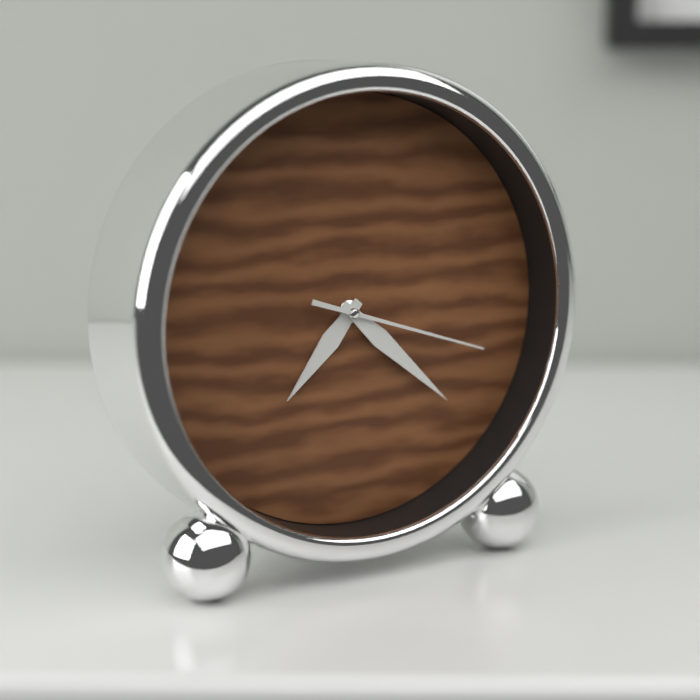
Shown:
**7:22:18**
